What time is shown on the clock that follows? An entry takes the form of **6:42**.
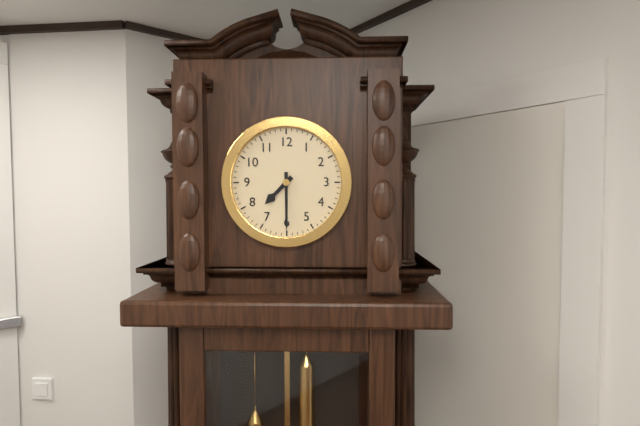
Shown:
**7:30**
